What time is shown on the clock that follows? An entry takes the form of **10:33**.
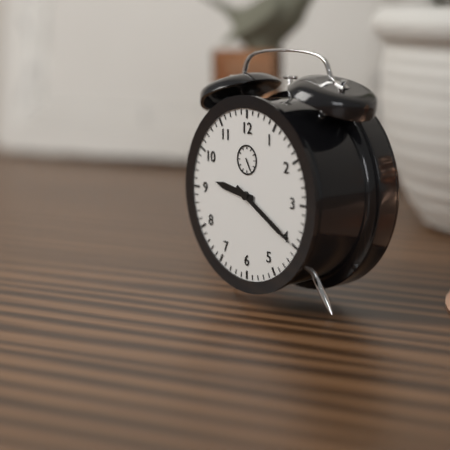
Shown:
**9:20**
